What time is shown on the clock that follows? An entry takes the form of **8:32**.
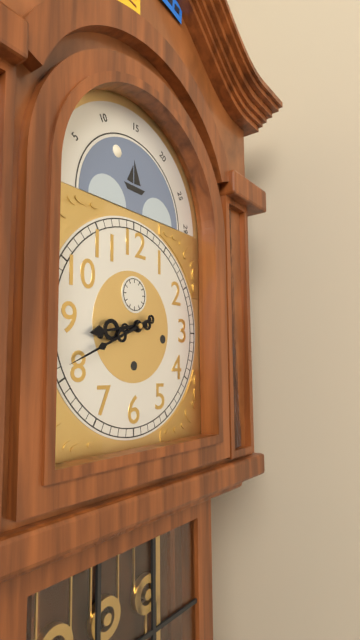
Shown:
**8:41**
